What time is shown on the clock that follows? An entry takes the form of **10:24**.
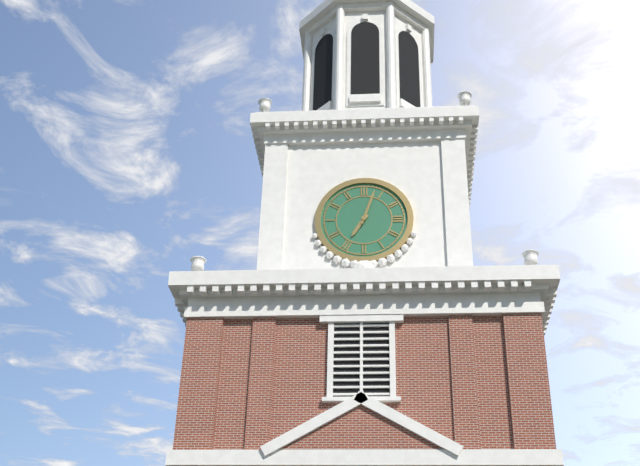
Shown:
**7:03**
